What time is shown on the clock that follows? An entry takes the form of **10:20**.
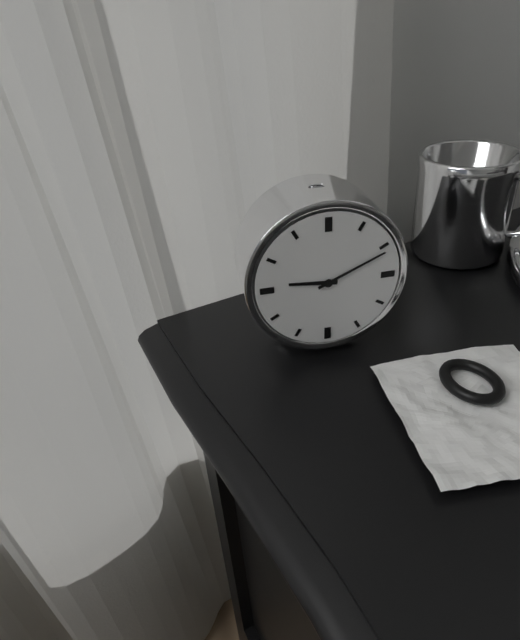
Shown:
**9:11**
